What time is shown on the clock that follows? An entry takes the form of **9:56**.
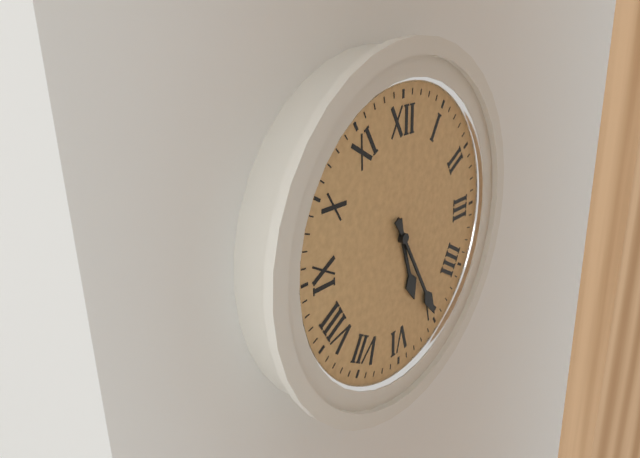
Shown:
**5:25**
